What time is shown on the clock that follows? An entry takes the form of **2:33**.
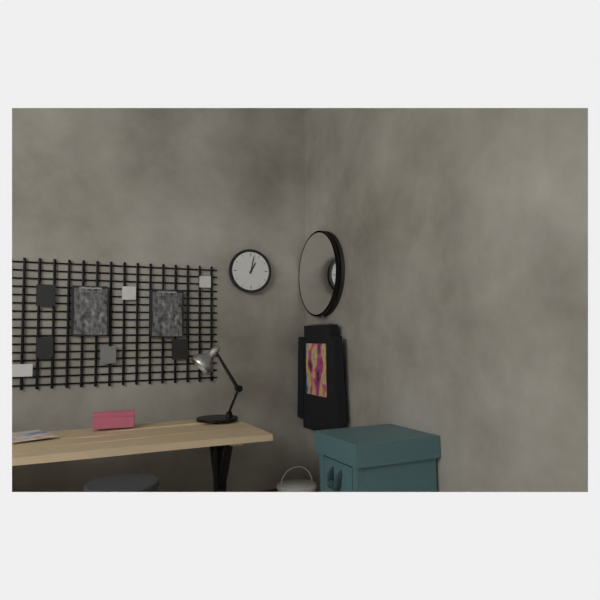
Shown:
**1:02**
